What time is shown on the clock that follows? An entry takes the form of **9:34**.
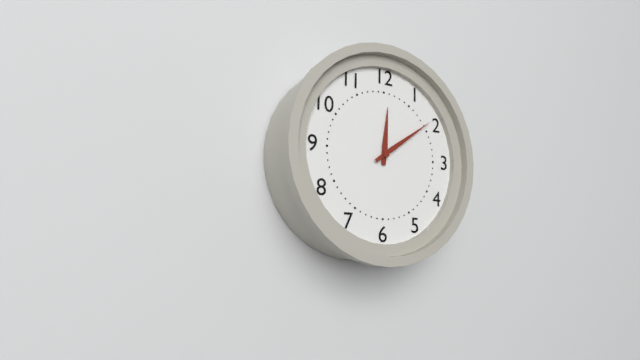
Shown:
**12:09**
